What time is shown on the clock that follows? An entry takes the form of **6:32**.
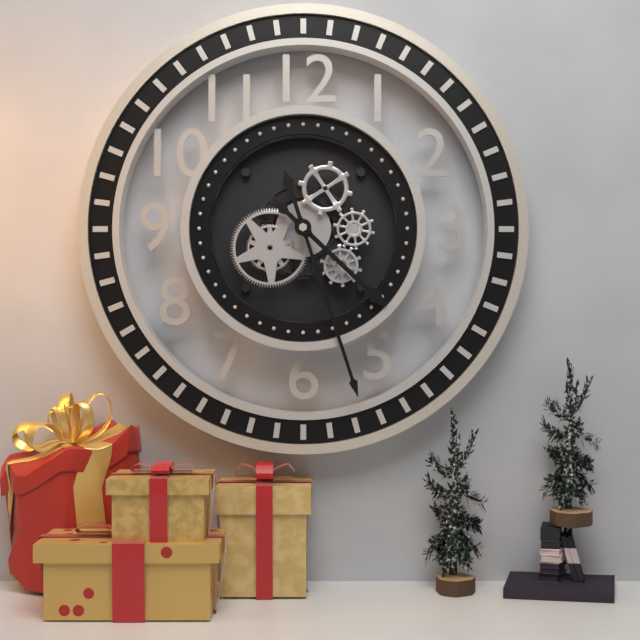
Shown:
**4:27**
